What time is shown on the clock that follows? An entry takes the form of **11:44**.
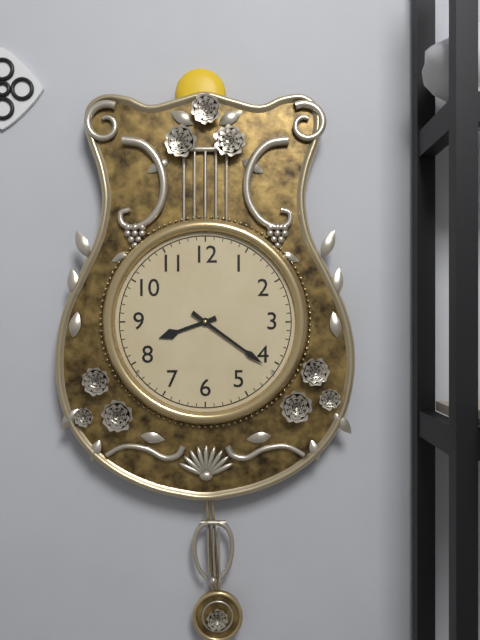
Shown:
**8:21**
